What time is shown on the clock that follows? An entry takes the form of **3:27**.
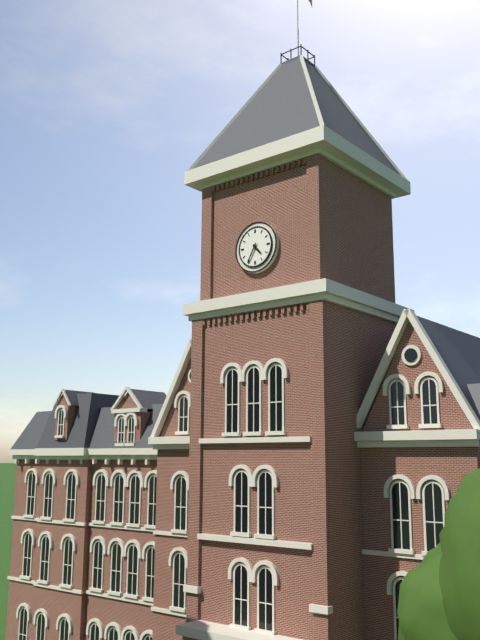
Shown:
**4:35**
